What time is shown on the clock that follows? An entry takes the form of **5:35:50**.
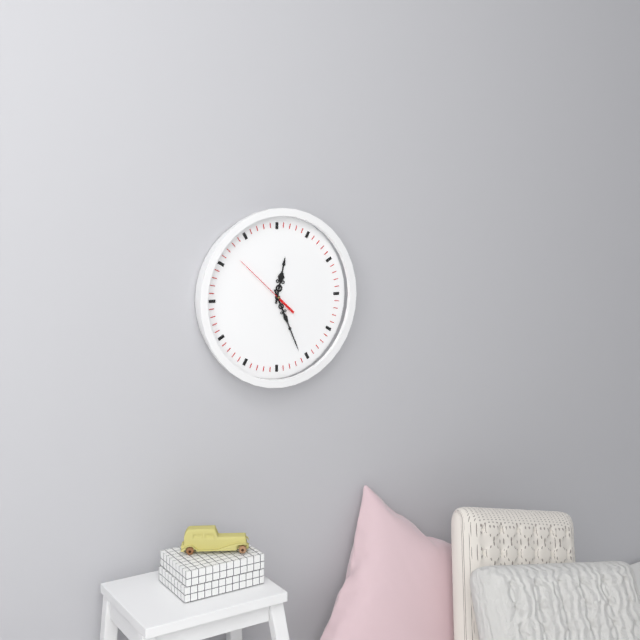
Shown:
**12:26:52**
